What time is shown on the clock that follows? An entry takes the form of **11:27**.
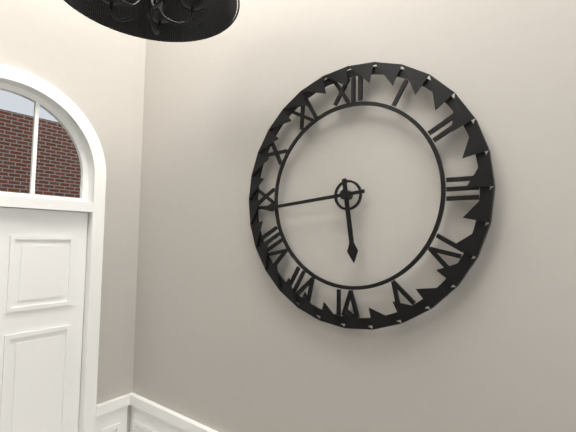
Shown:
**5:44**
